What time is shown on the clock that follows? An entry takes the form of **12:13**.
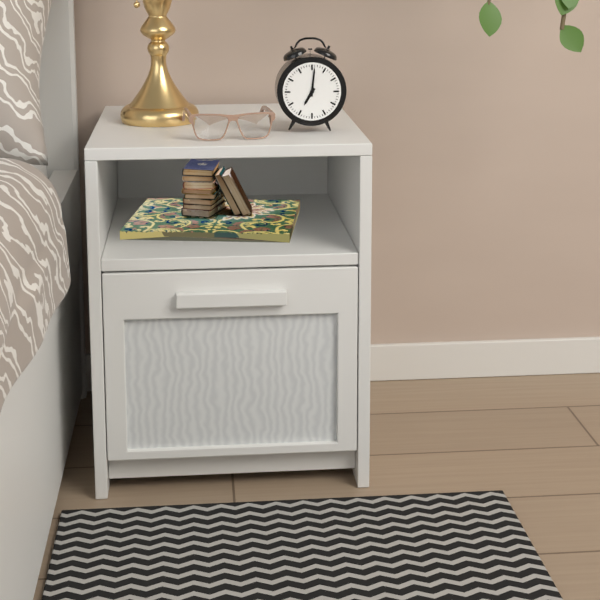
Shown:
**7:01**
